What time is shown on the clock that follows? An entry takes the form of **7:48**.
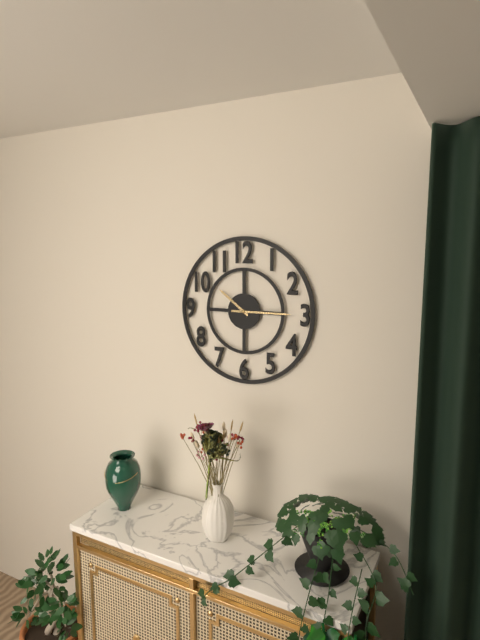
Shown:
**10:15**
